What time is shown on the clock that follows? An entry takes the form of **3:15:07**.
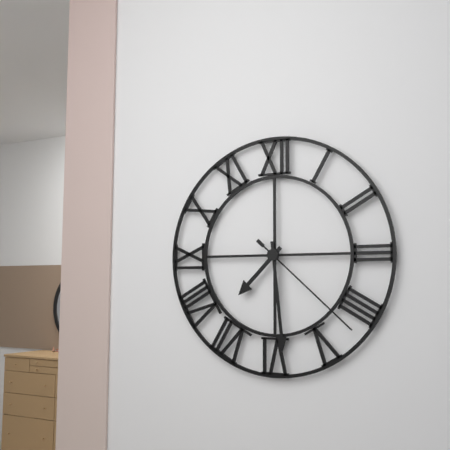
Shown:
**7:29:22**
